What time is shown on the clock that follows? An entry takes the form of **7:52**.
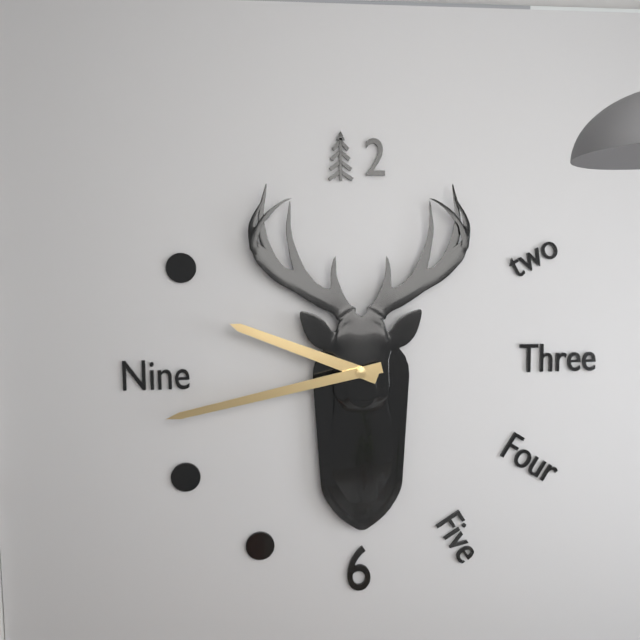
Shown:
**9:43**
